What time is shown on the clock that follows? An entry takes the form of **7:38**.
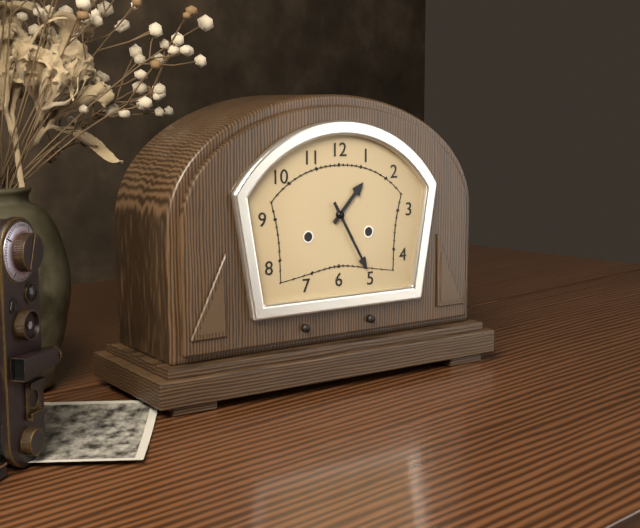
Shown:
**1:25**
